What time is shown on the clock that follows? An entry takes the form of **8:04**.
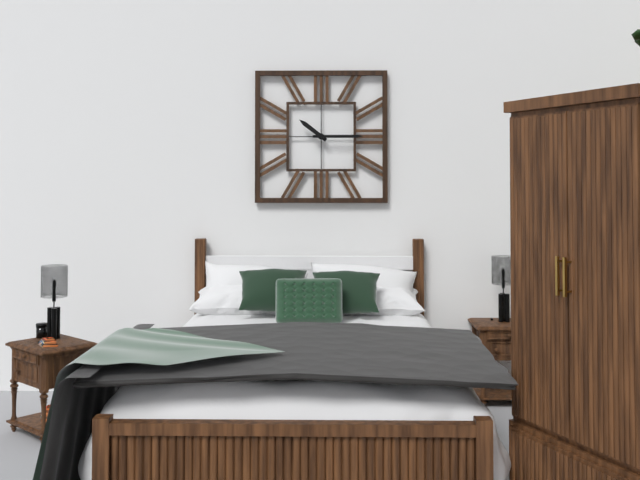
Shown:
**10:15**
